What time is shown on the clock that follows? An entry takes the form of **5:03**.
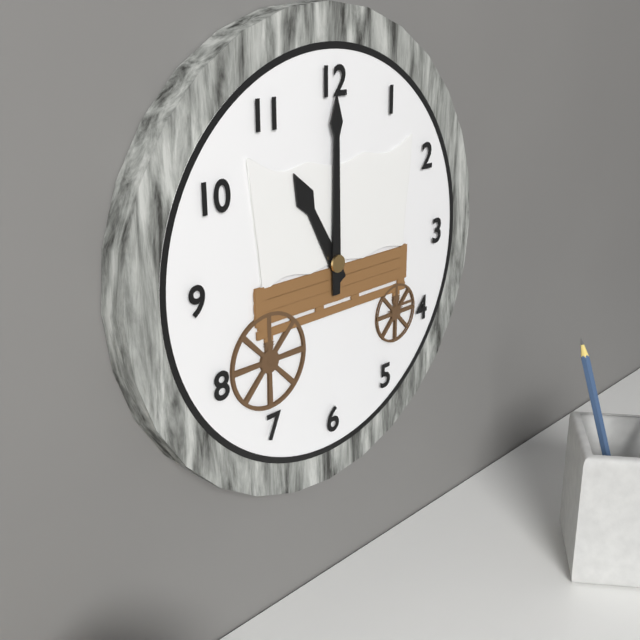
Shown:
**11:00**
